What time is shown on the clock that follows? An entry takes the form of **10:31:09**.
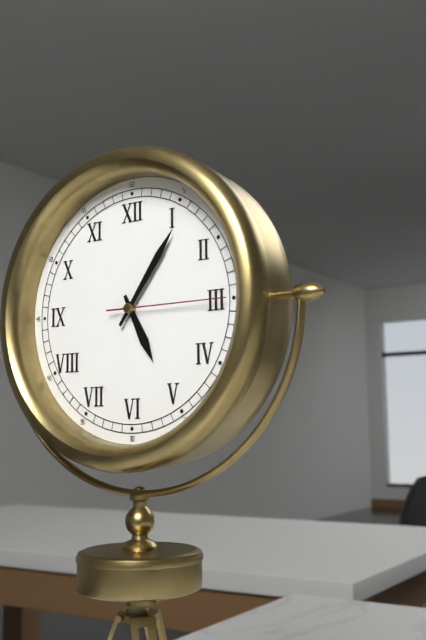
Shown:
**5:06:15**
